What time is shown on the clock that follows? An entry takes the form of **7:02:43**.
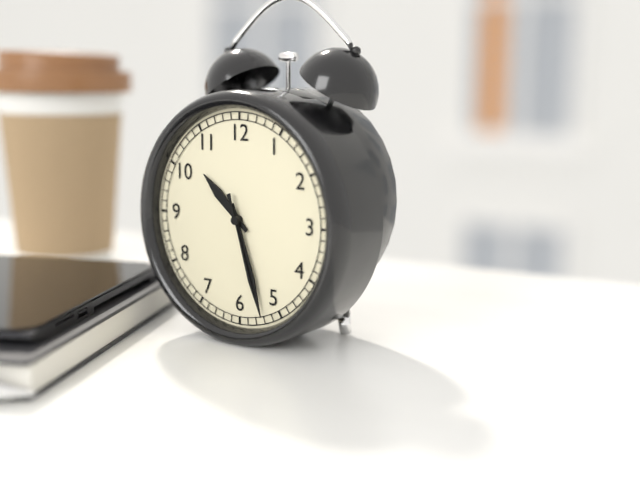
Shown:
**10:27:27**
